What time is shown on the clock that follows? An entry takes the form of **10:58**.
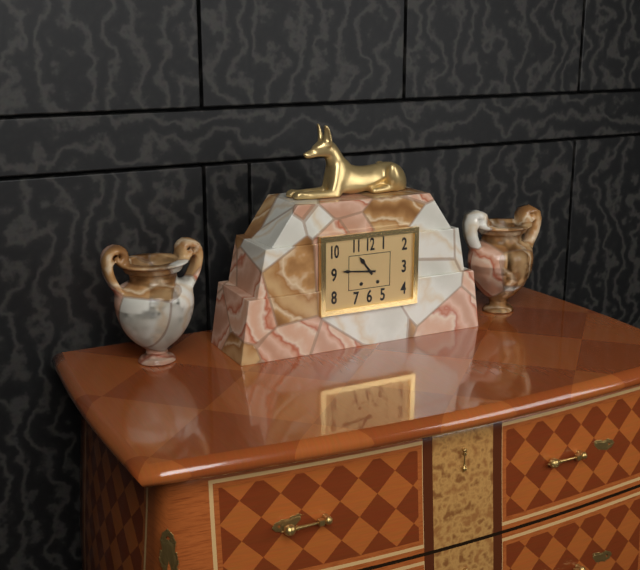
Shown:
**10:46**
